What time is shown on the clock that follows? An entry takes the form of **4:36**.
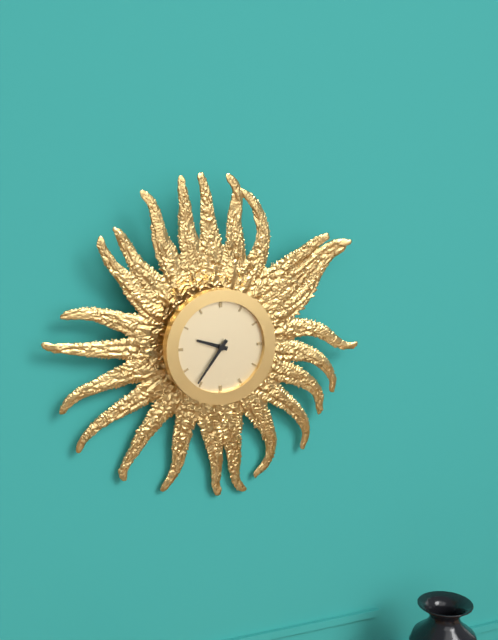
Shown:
**9:36**
